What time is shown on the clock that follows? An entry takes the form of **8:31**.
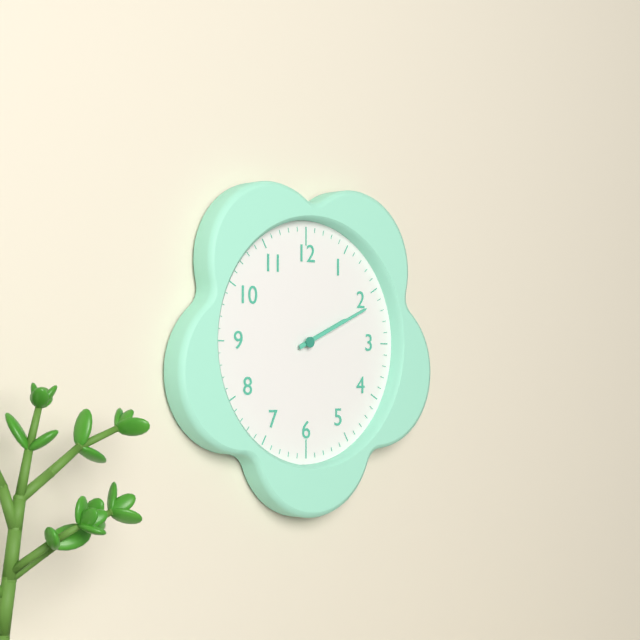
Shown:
**2:11**
